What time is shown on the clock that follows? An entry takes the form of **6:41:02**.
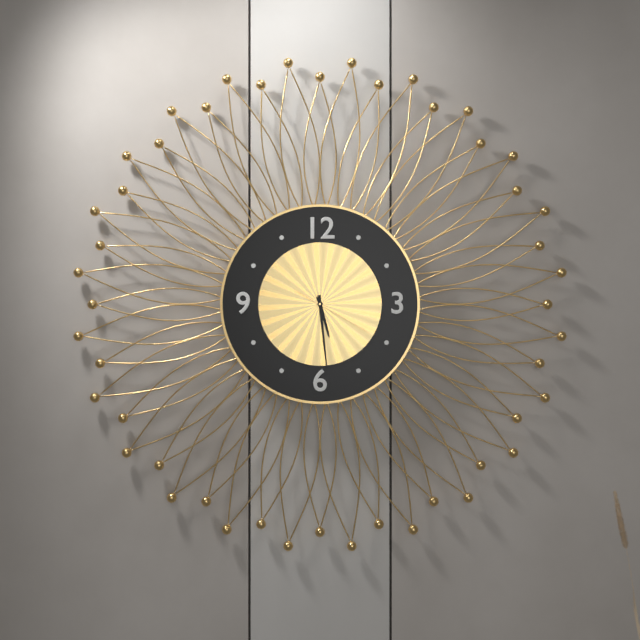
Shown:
**5:29:20**
